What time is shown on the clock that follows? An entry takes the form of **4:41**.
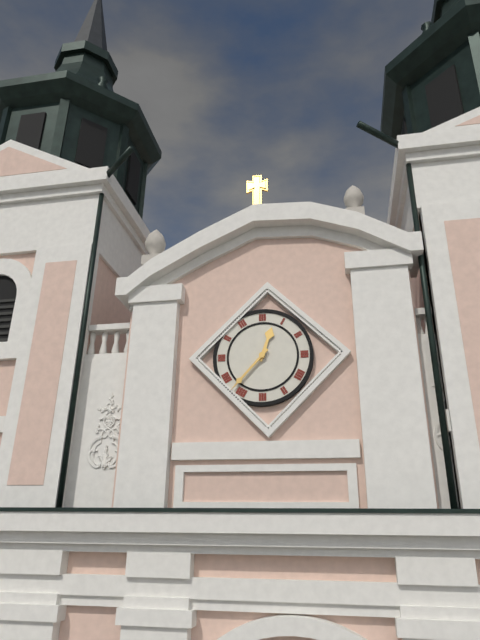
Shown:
**12:37**
